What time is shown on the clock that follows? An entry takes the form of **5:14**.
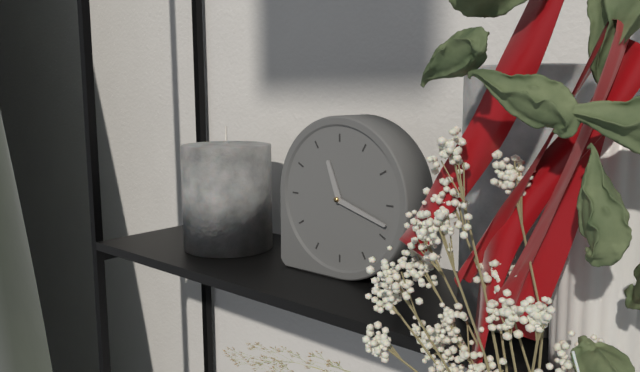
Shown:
**11:18**
